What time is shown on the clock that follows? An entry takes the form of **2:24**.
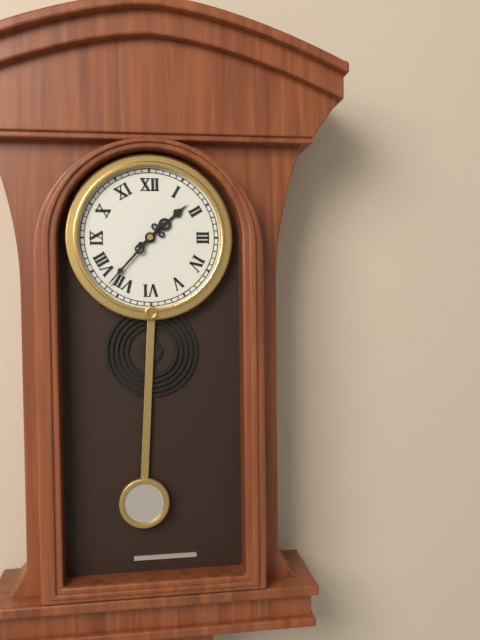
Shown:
**1:37**
